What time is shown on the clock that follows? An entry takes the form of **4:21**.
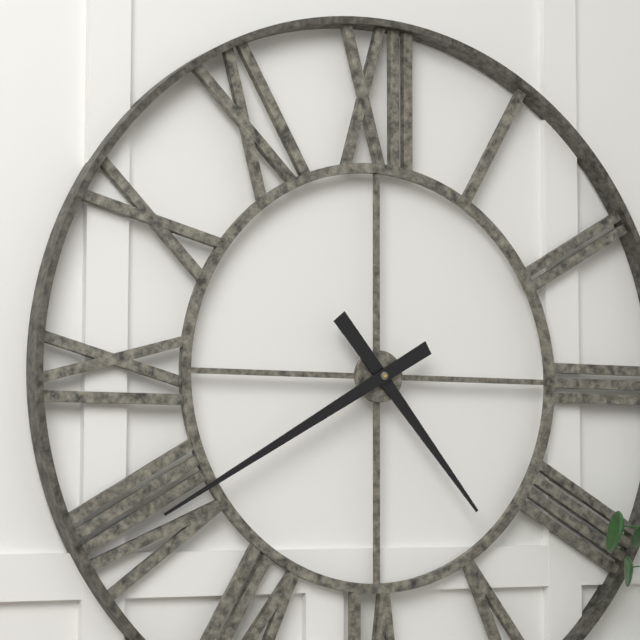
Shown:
**4:40**
